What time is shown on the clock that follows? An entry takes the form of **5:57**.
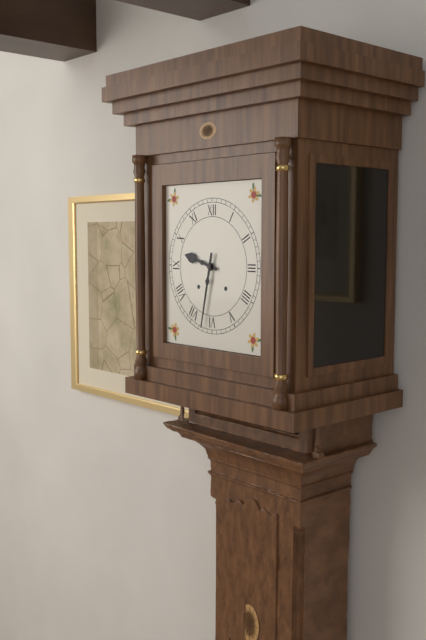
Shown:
**9:32**
